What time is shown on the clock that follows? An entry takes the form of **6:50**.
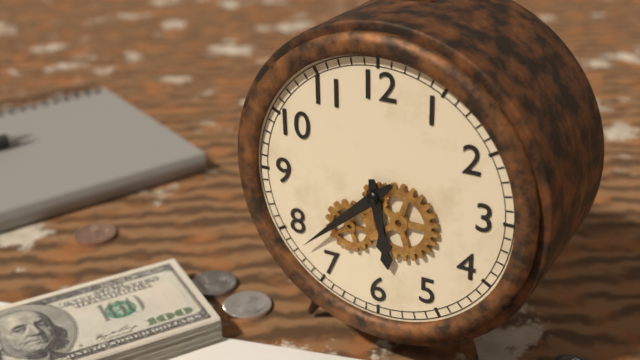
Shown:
**5:38**
